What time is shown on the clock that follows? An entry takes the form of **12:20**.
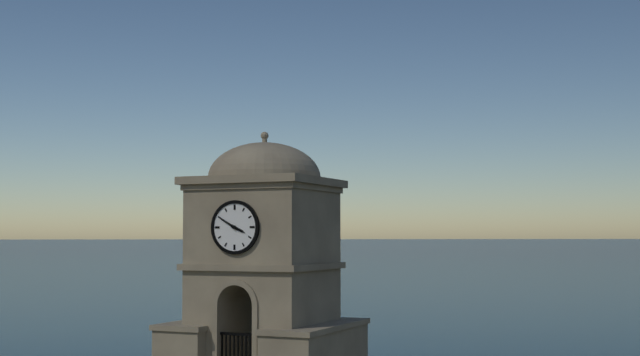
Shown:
**3:50**
